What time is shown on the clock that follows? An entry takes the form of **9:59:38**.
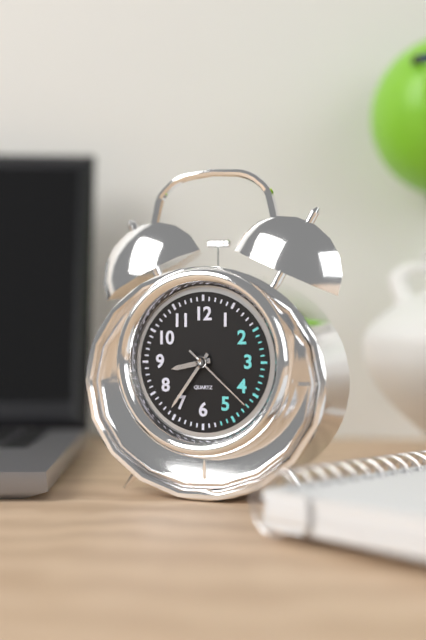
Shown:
**8:36:22**
